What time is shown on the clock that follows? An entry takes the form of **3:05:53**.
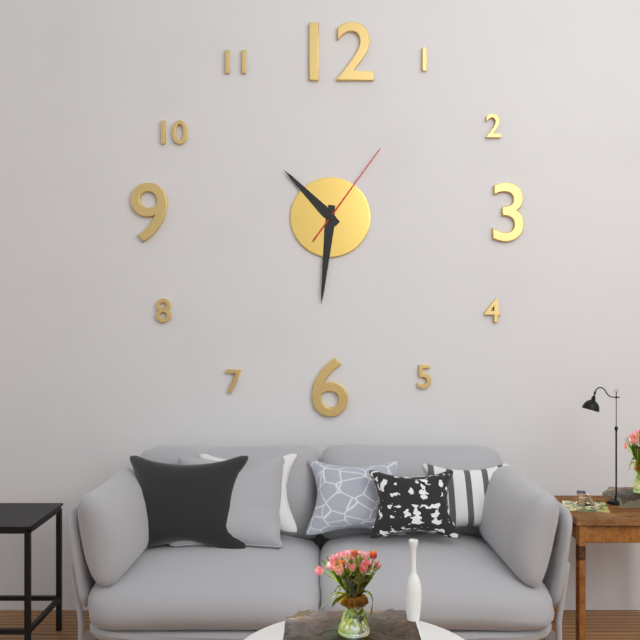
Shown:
**10:31:06**
